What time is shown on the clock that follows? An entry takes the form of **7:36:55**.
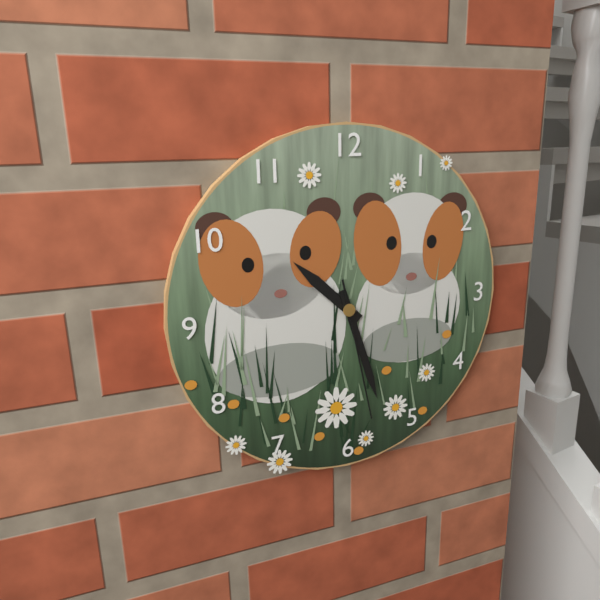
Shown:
**10:27:28**
